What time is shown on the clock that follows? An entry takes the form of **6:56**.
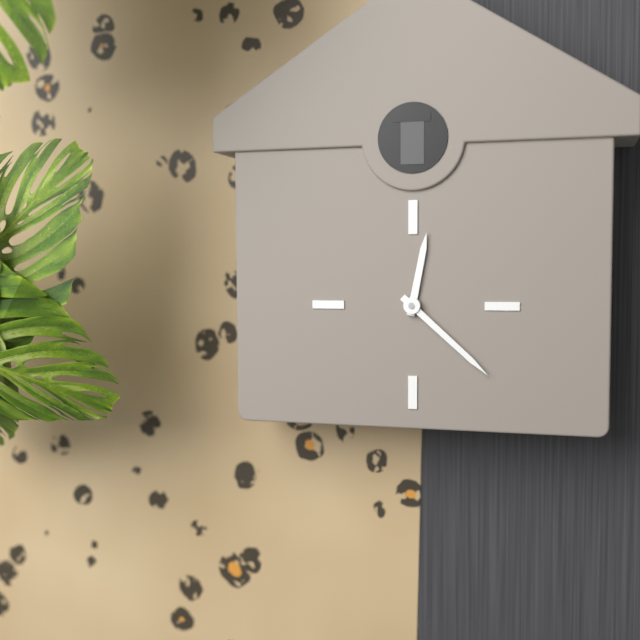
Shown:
**12:22**
